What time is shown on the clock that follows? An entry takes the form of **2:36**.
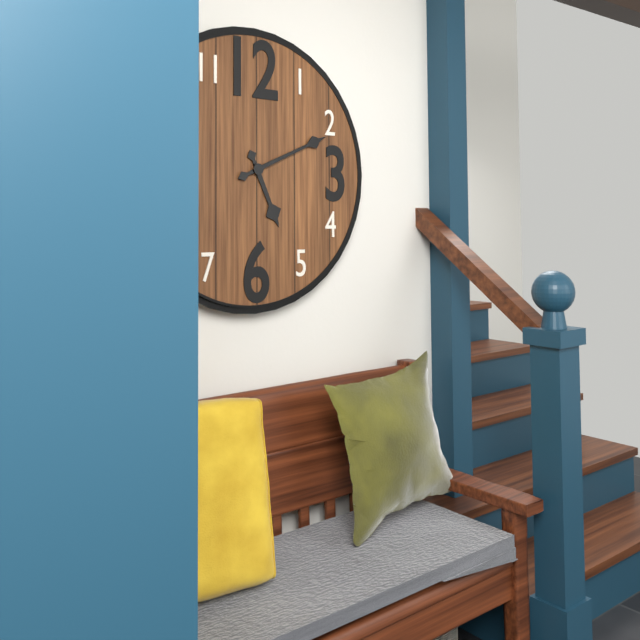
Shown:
**5:11**
